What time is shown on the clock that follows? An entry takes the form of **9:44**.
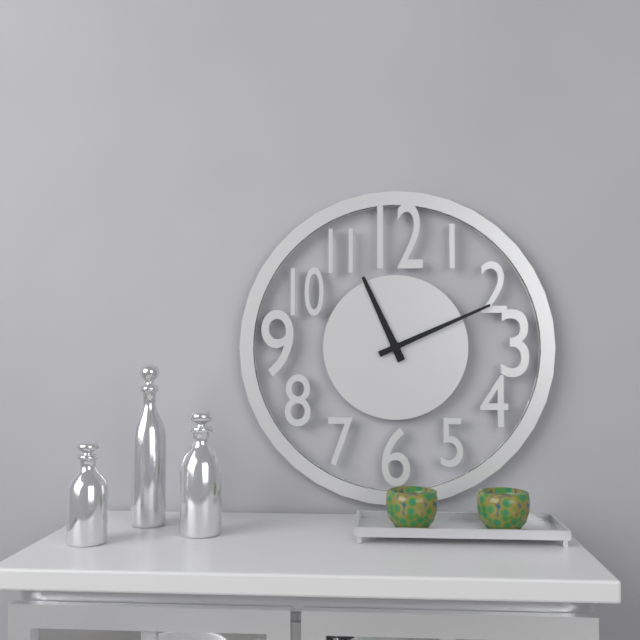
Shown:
**11:11**
